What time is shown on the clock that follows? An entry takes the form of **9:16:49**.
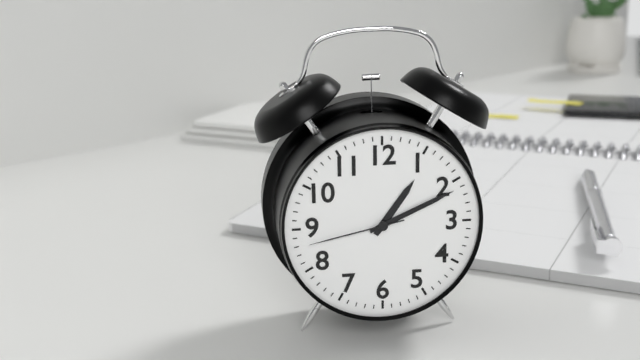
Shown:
**1:11:43**
